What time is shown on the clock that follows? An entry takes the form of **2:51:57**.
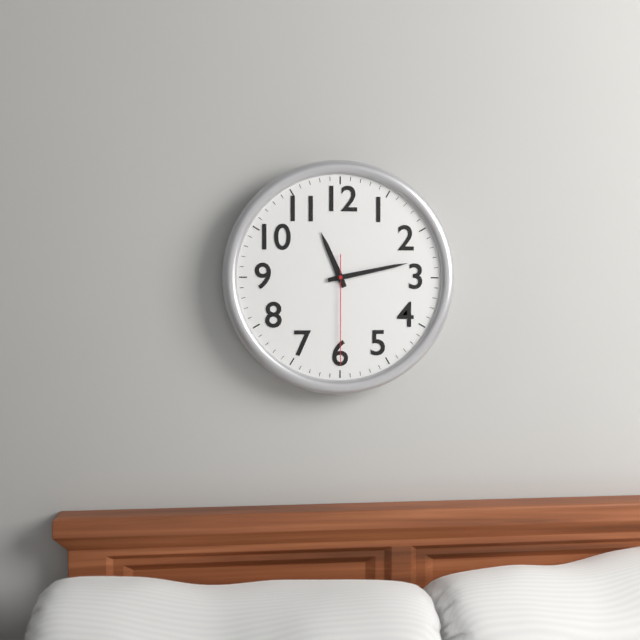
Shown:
**11:13:30**
